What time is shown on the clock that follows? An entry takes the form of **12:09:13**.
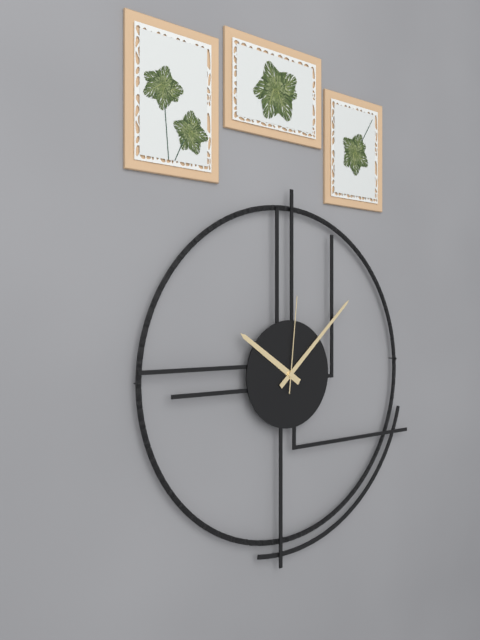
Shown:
**10:08:01**
